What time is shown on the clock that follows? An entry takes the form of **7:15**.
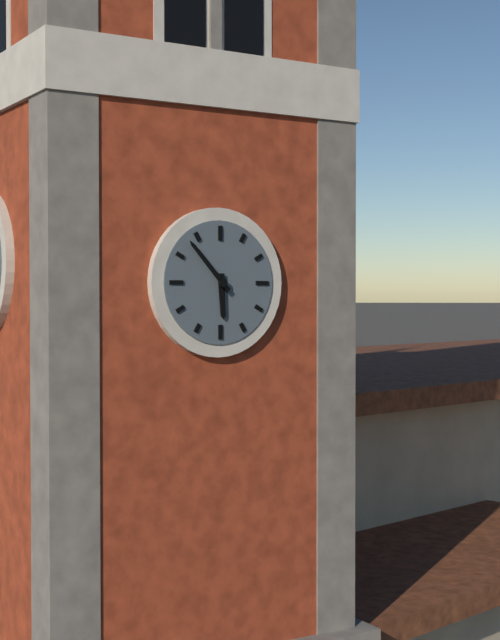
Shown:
**5:53**
